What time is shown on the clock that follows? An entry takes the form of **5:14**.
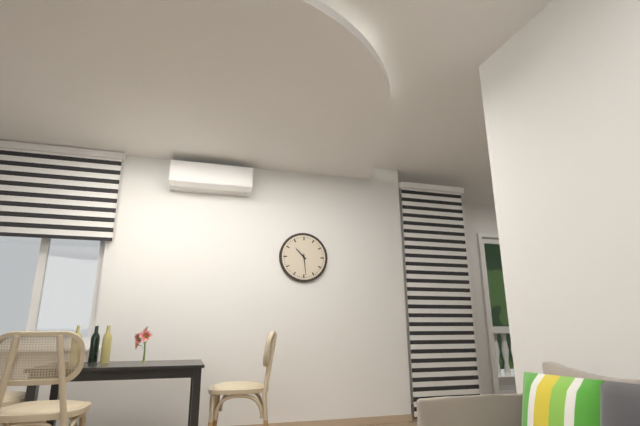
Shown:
**10:29**
